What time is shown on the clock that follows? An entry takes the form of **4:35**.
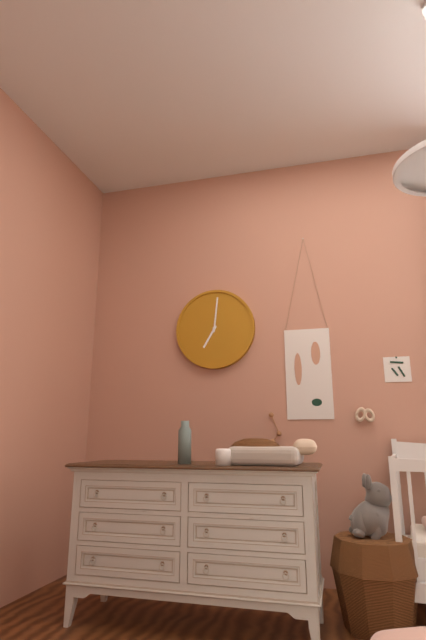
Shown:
**7:01**
